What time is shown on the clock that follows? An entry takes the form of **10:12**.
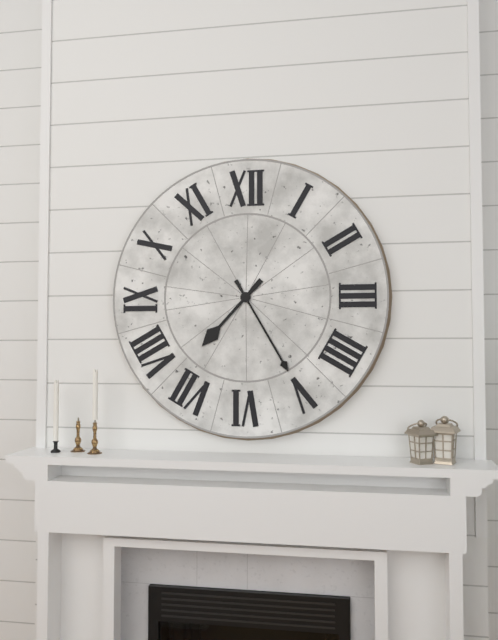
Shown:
**7:25**
